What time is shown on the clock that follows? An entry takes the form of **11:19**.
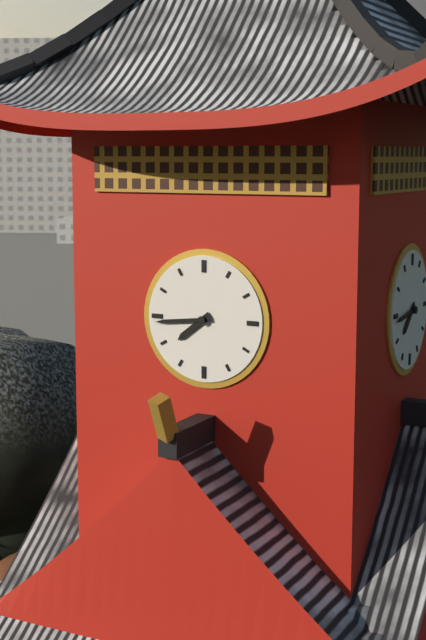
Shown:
**7:44**
